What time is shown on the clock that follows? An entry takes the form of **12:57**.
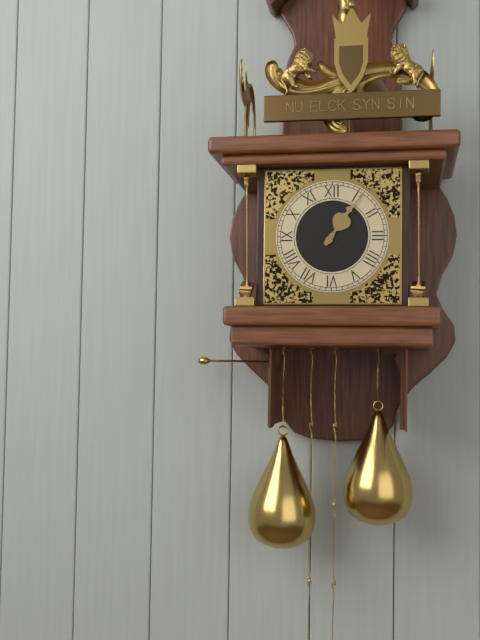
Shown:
**1:06**
